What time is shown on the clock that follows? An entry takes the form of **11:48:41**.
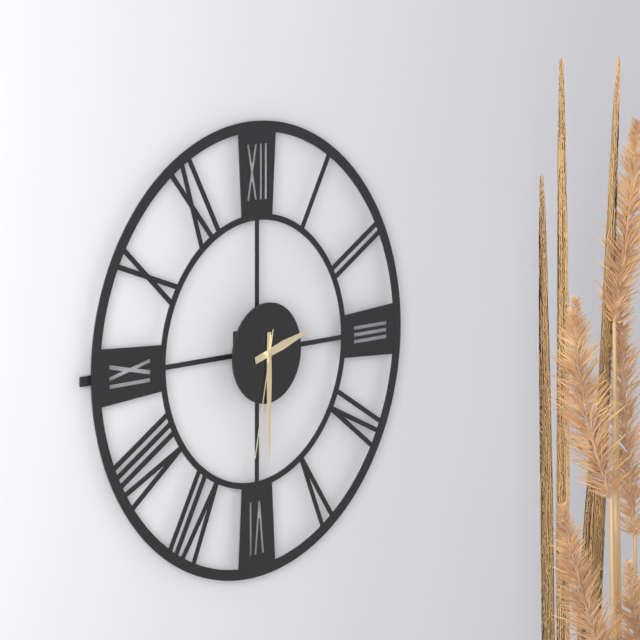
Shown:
**2:30:32**
